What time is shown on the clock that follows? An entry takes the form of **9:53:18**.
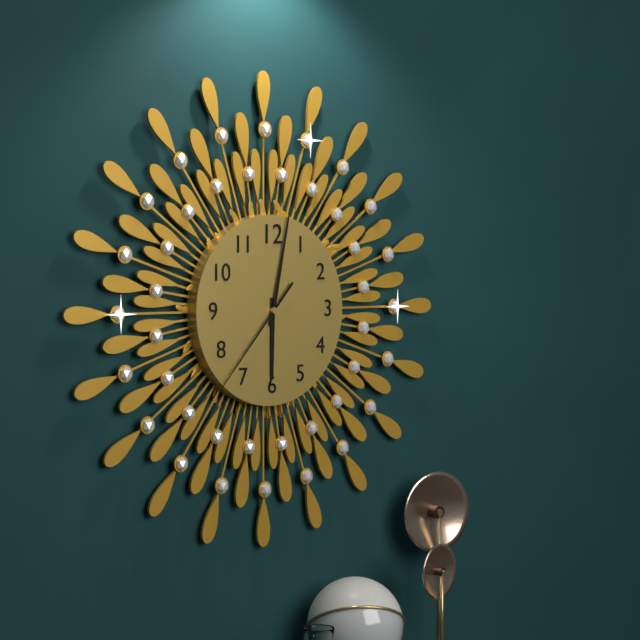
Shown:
**6:02:37**
